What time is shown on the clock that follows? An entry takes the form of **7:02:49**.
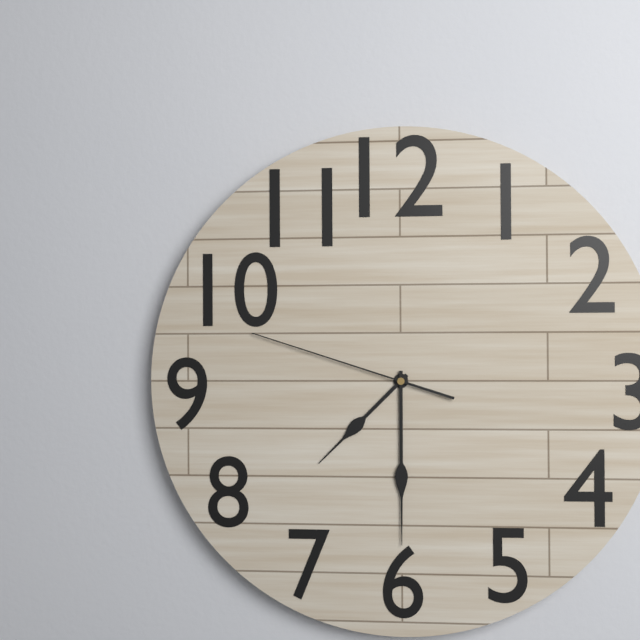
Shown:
**7:30:48**
